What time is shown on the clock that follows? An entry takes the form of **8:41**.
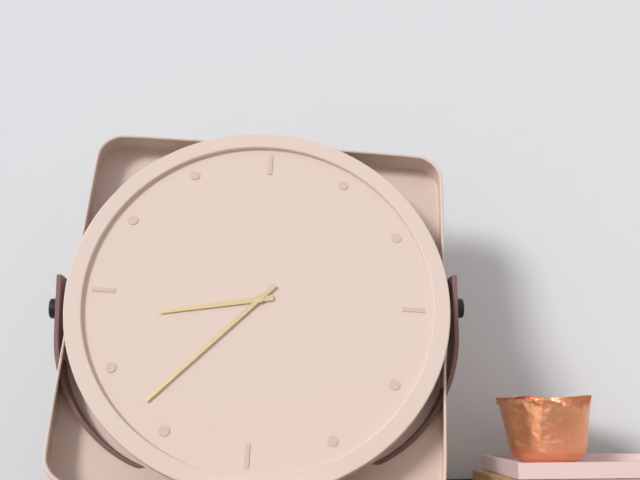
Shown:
**8:37**
